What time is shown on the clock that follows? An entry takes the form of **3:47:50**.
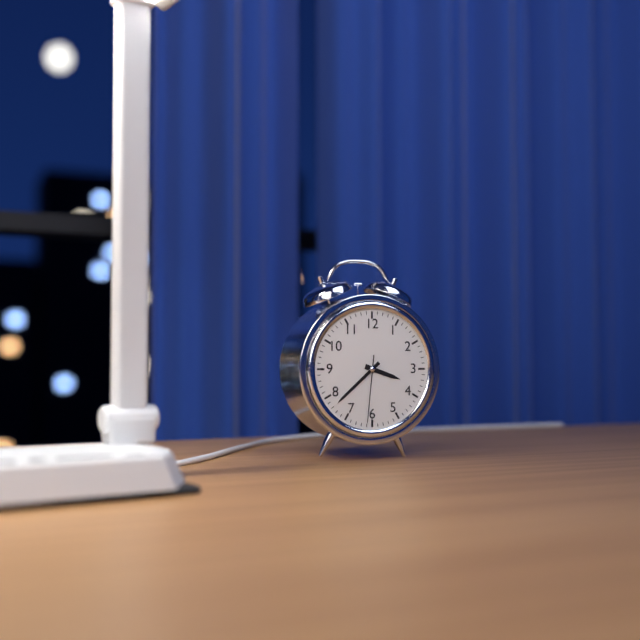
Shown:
**3:38:31**
